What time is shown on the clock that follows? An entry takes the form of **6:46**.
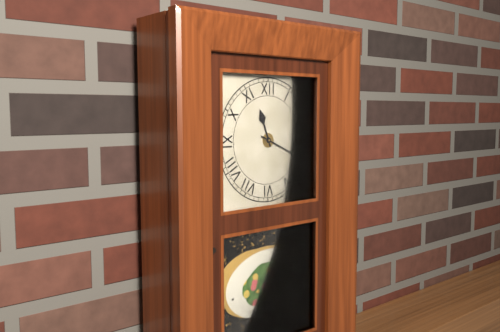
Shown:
**11:19**
